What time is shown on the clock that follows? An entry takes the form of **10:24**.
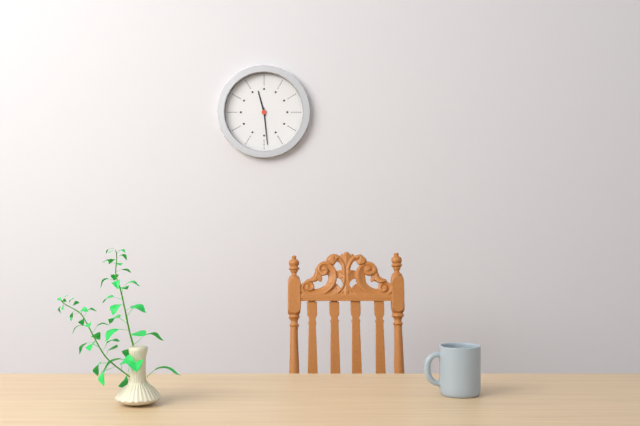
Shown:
**11:29**
